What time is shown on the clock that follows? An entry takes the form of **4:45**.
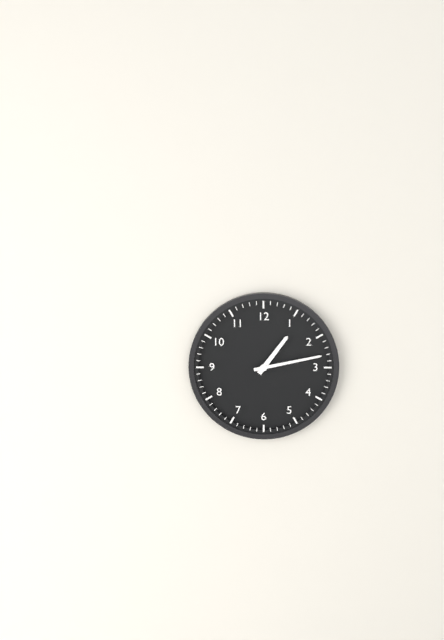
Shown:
**1:13**
